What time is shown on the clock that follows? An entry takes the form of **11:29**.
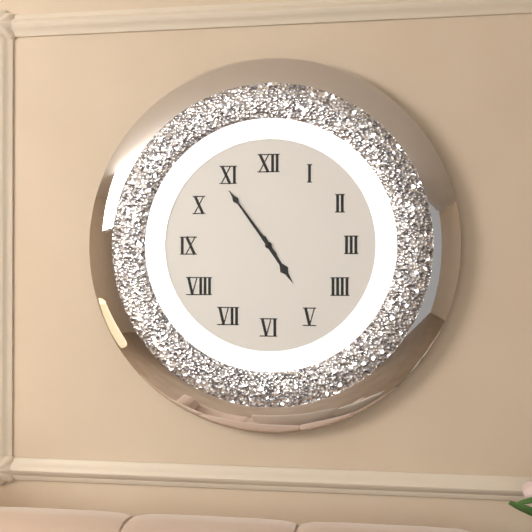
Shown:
**4:54**
